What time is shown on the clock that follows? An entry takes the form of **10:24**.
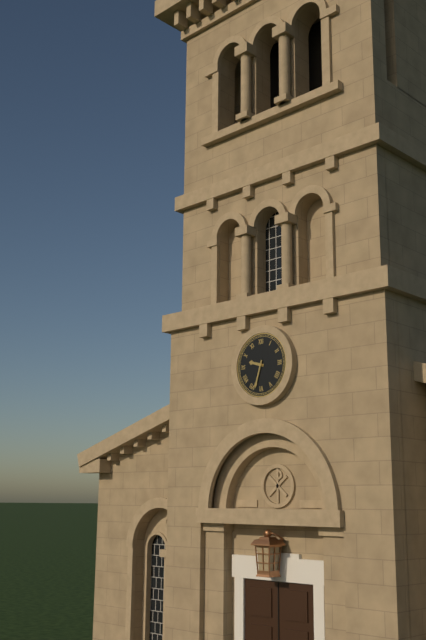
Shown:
**9:33**
